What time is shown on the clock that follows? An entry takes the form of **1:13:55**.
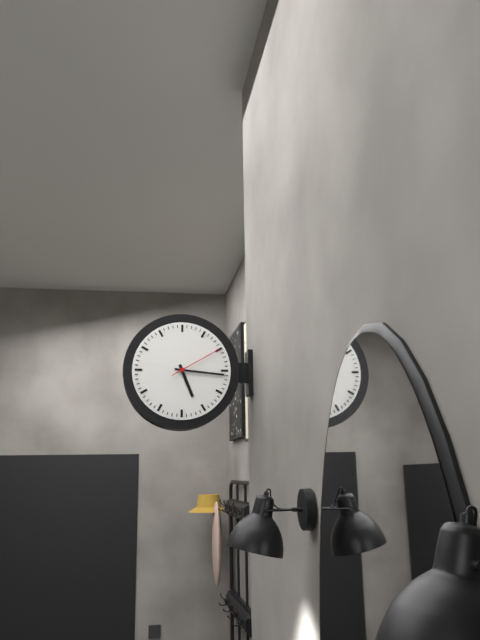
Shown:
**5:16:10**
